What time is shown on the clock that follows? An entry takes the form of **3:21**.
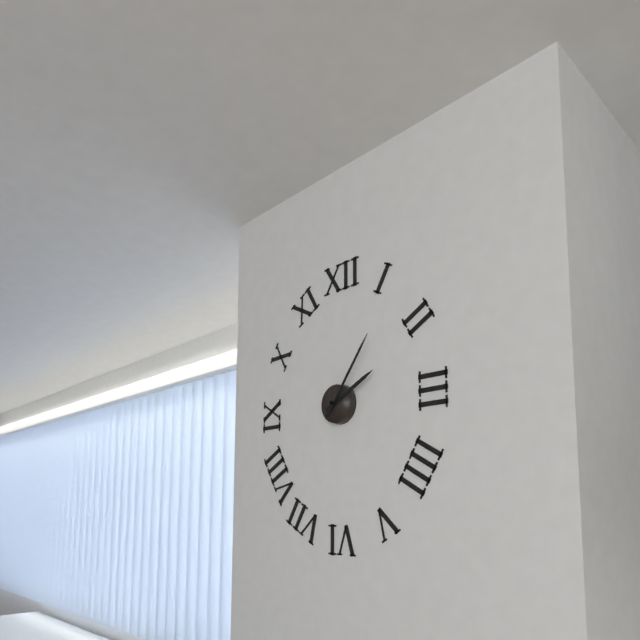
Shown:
**2:06**
